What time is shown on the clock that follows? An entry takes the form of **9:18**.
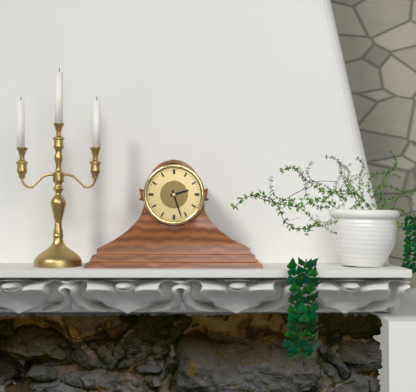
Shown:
**2:27**
